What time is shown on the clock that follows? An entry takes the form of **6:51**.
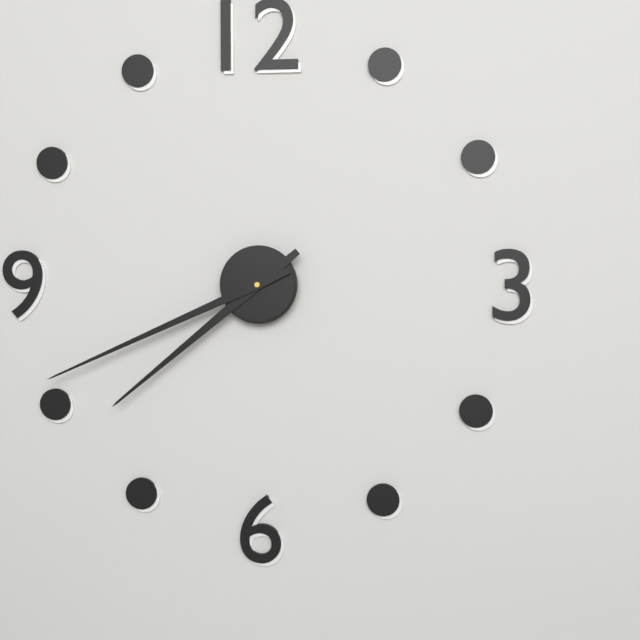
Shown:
**7:41**
